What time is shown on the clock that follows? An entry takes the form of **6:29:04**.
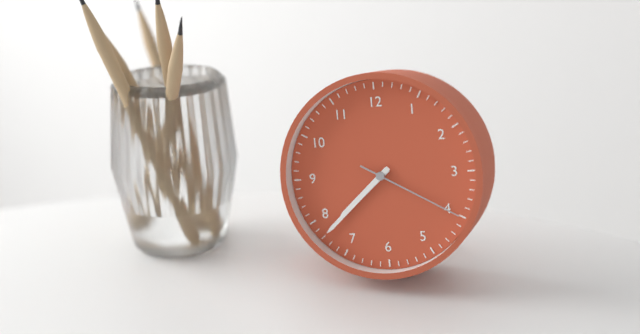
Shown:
**7:38:20**
